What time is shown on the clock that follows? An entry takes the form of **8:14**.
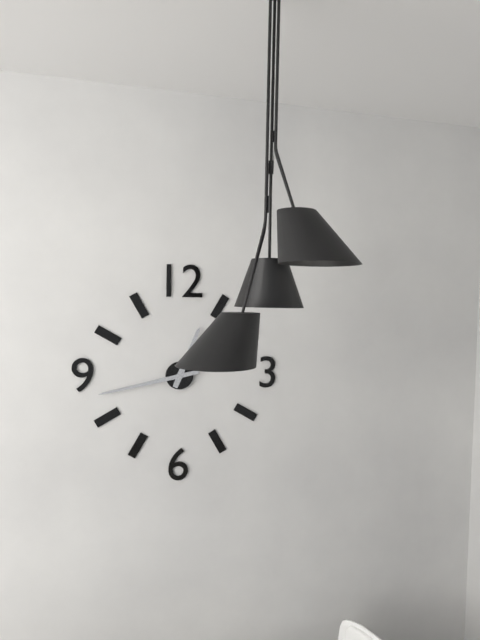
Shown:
**12:43**
